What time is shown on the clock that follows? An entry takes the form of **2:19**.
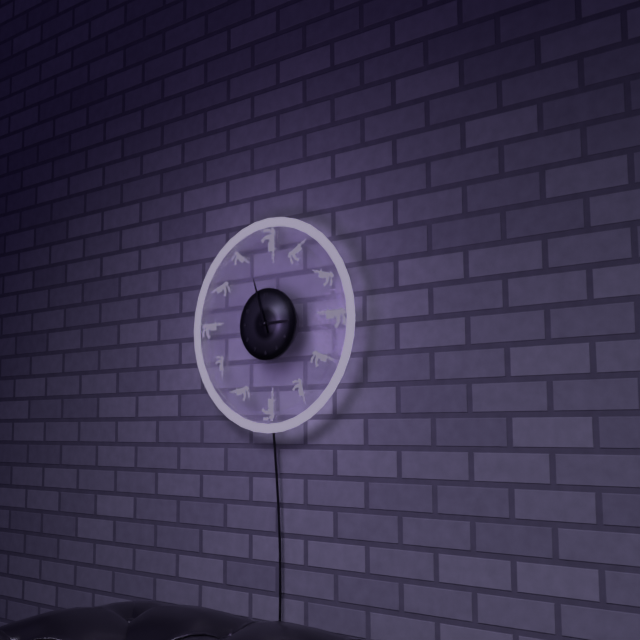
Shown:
**2:57**
